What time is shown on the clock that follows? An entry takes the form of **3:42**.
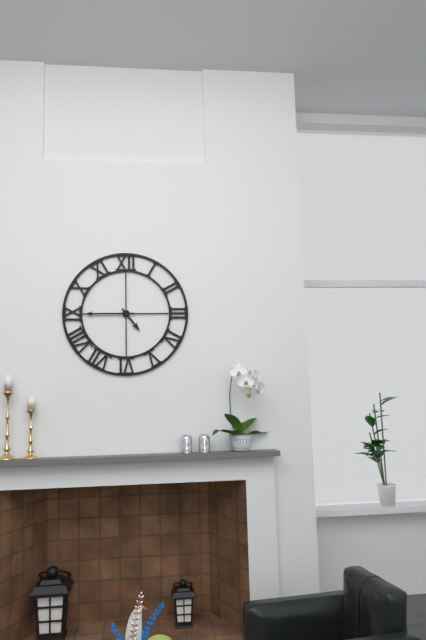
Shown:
**4:45**
